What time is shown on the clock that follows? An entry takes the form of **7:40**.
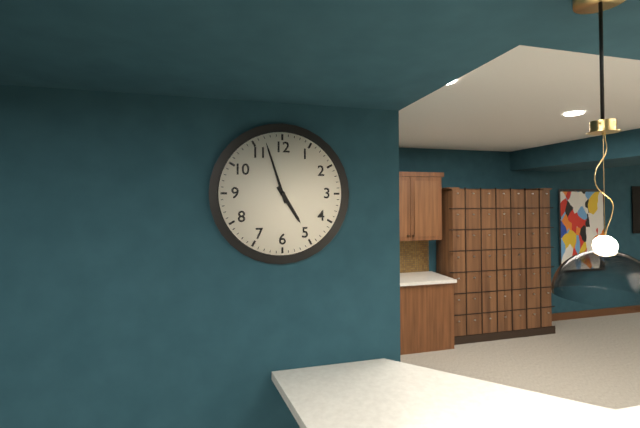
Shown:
**4:57**
